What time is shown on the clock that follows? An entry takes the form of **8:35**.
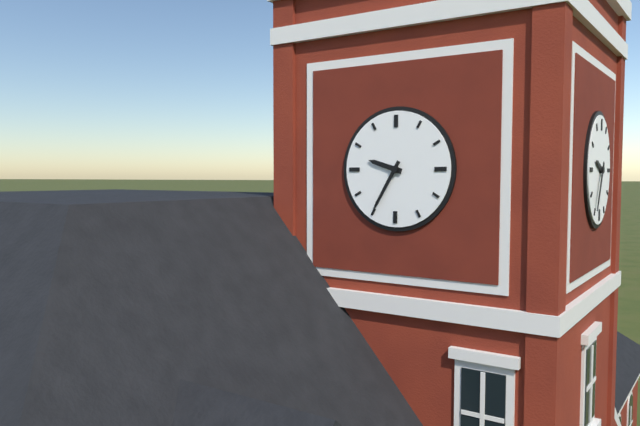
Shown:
**9:35**
